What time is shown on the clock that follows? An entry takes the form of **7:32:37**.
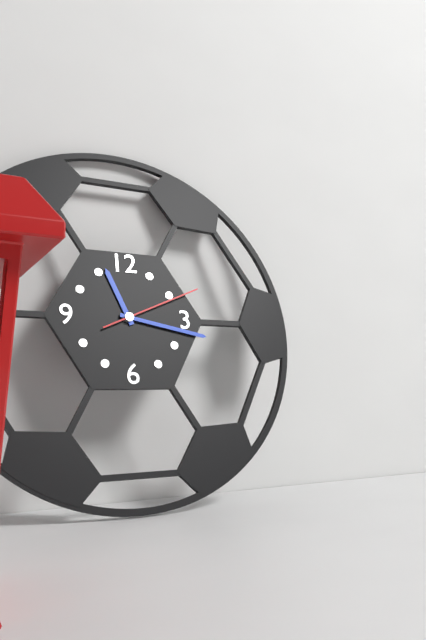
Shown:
**11:17:11**
